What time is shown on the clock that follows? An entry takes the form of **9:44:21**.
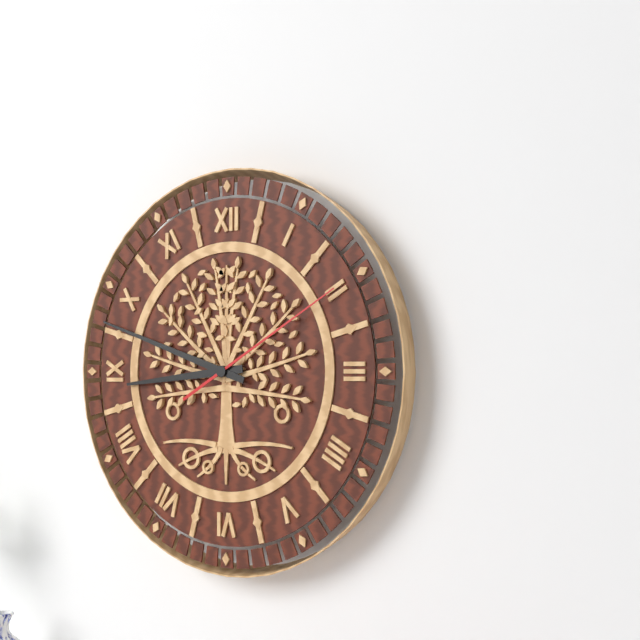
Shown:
**8:48:10**
